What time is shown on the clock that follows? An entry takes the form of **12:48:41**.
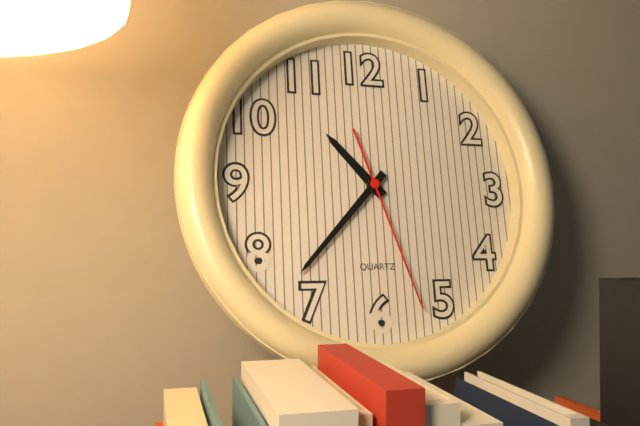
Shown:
**10:37:27**
